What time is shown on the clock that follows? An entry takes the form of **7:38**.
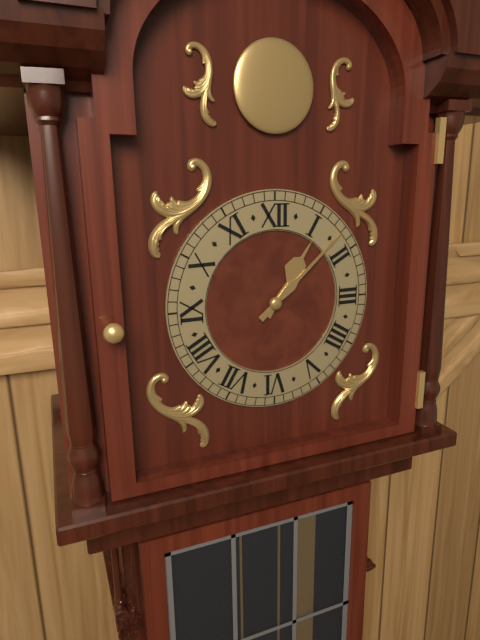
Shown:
**1:08**
